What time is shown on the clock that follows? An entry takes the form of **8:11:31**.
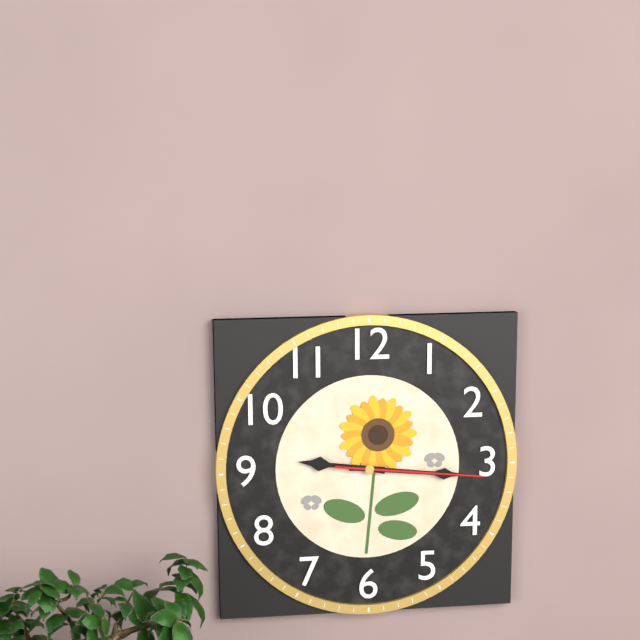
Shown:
**9:16:16**
